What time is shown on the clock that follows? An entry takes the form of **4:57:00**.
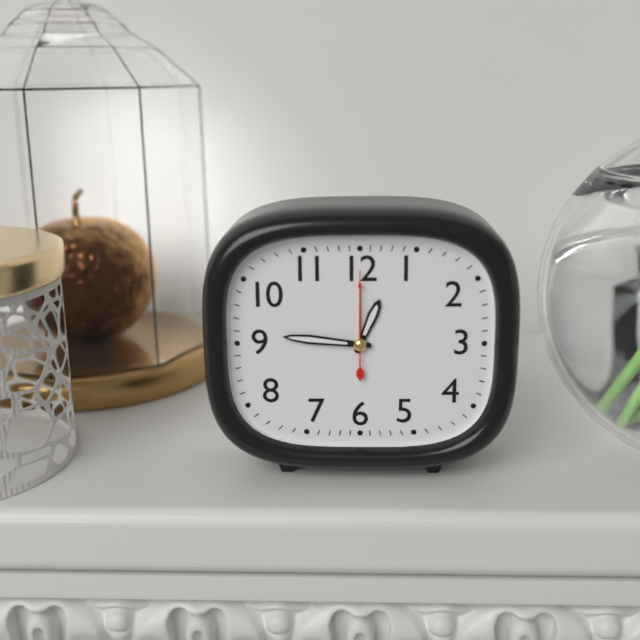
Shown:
**12:46:00**
